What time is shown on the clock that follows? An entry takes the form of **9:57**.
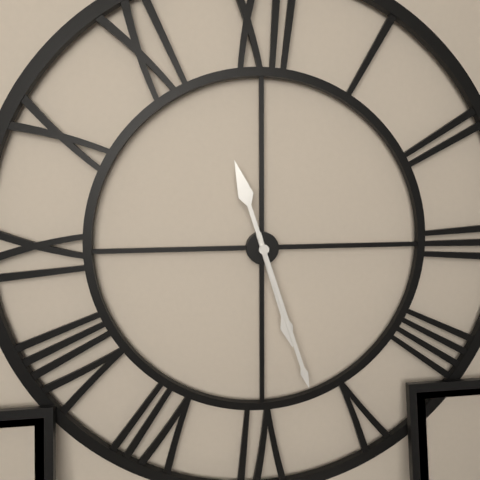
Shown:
**5:27**
